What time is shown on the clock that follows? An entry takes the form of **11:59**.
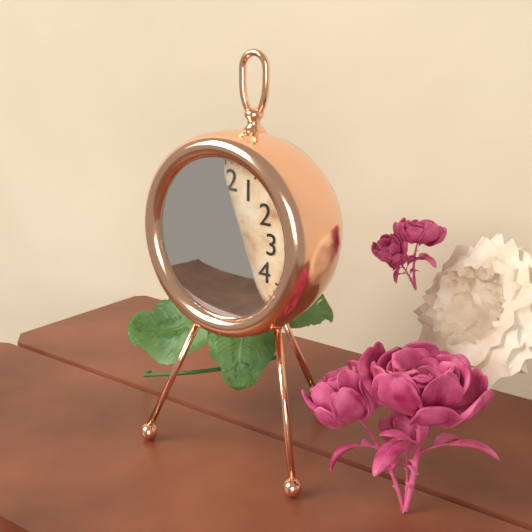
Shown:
**6:29**
